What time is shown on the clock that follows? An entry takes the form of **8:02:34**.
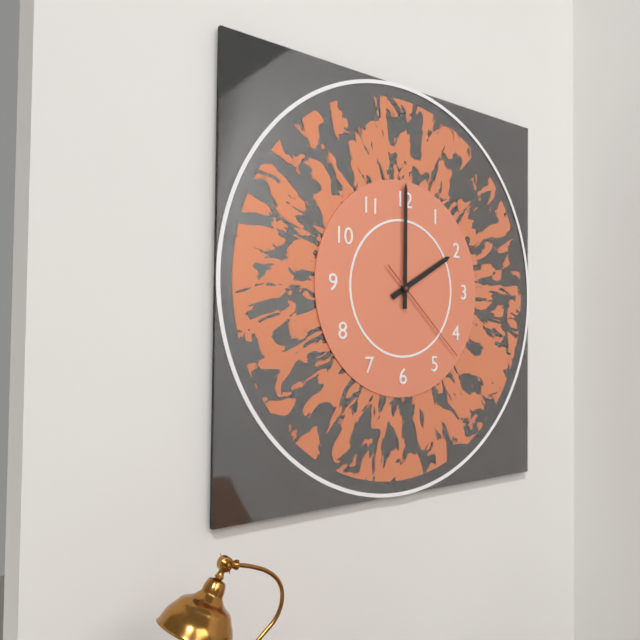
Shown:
**2:00:22**
